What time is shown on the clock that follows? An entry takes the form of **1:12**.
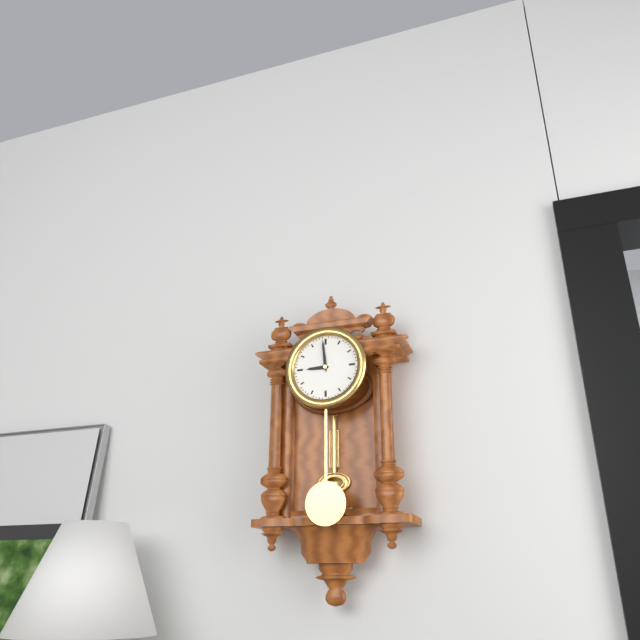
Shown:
**8:59**
